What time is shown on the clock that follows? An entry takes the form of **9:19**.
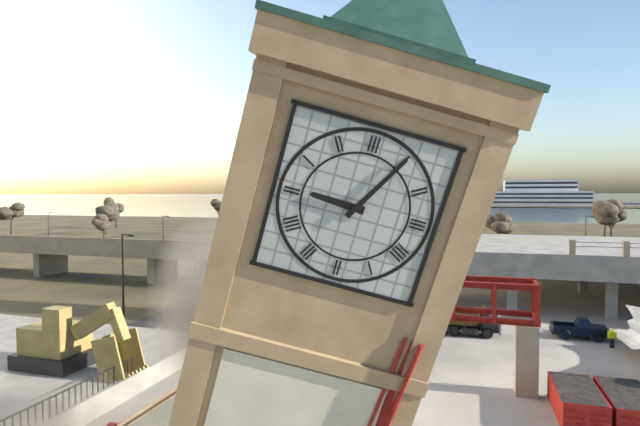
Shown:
**9:05**
